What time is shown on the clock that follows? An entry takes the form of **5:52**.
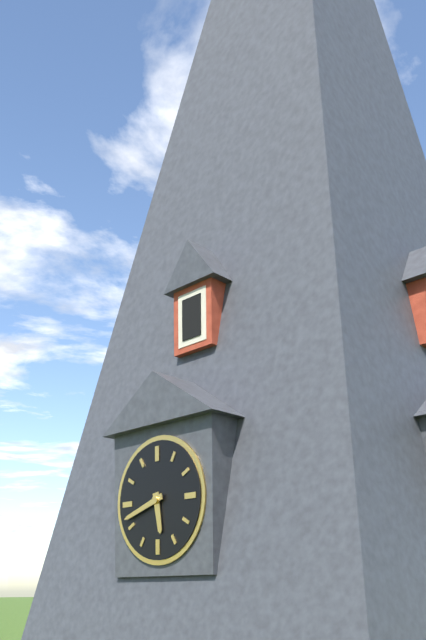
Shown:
**5:42**
